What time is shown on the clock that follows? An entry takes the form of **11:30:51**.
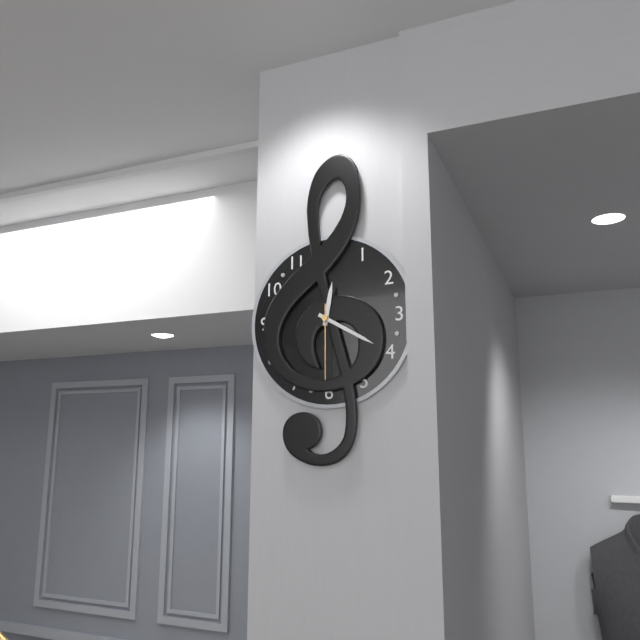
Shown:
**12:20:30**
